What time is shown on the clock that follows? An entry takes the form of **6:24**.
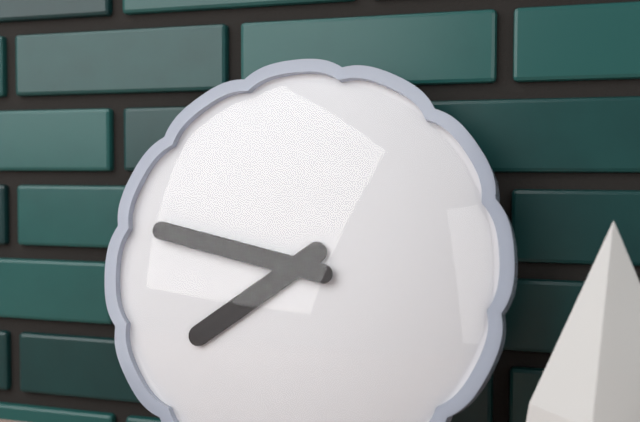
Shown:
**7:47**
